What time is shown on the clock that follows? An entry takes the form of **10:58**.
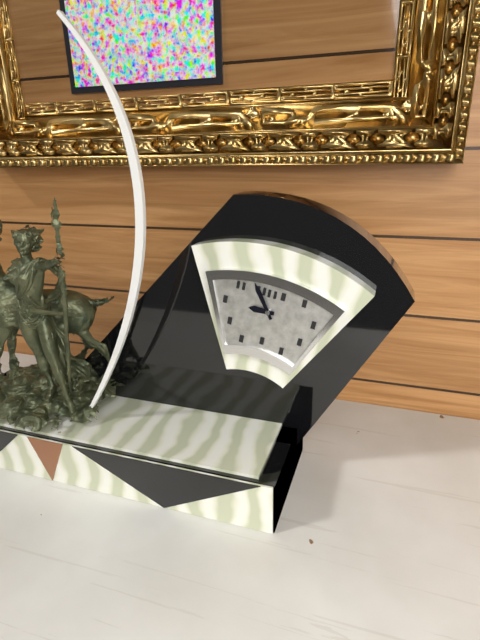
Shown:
**8:54**
